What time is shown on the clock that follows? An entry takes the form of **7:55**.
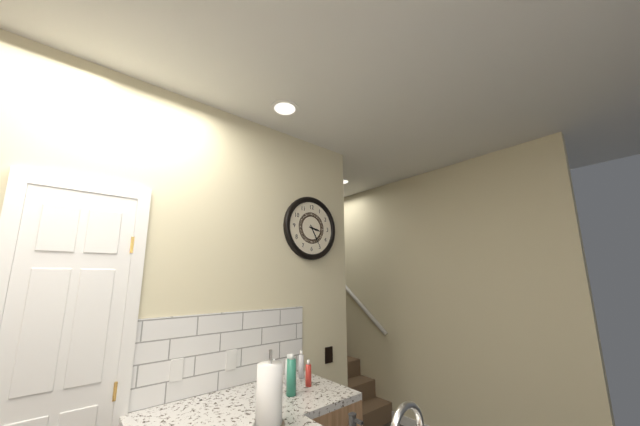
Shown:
**3:25**
